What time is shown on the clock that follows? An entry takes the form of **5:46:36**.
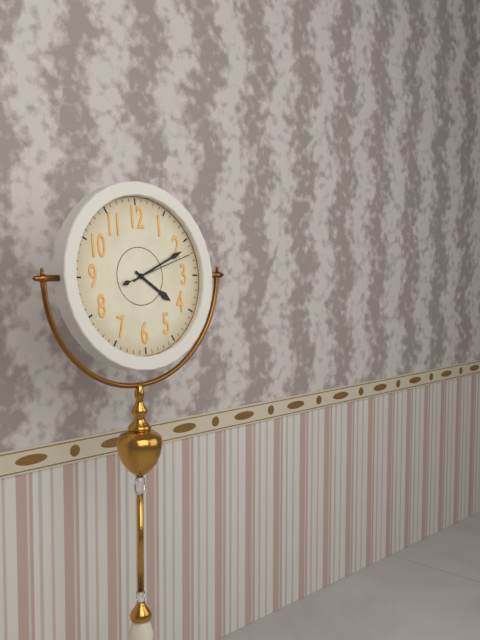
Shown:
**4:11:12**
